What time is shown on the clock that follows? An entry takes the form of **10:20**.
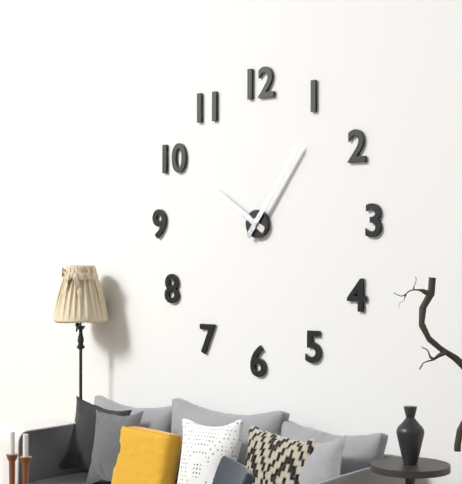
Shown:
**10:06**
